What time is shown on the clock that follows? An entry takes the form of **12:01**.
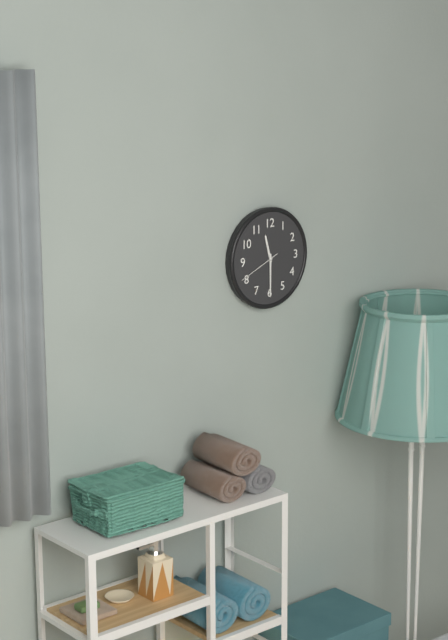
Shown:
**11:30**
